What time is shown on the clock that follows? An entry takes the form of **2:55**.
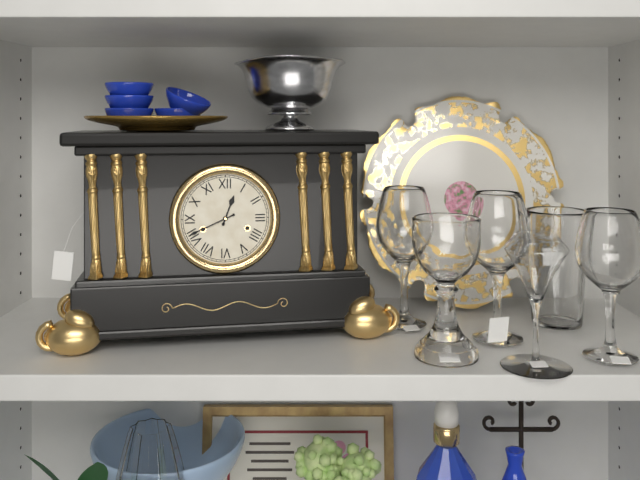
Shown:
**12:41**
